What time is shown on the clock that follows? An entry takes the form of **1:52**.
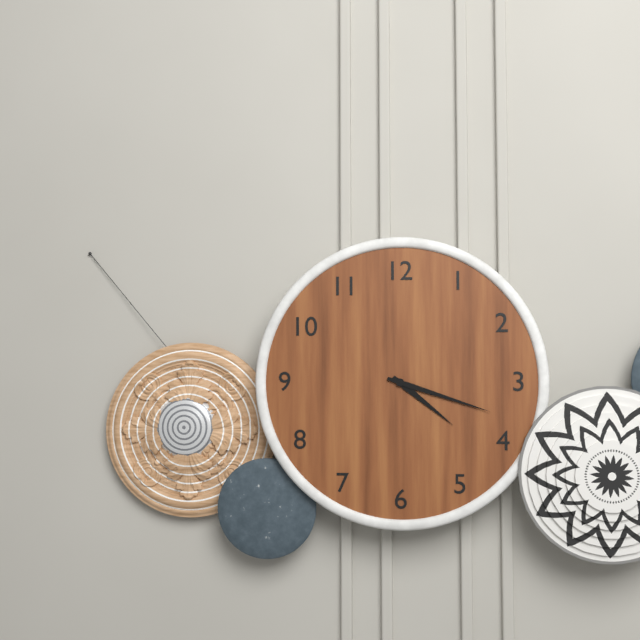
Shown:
**4:18**
